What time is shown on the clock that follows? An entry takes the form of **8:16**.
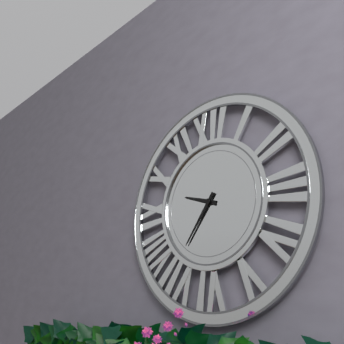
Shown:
**9:36**
